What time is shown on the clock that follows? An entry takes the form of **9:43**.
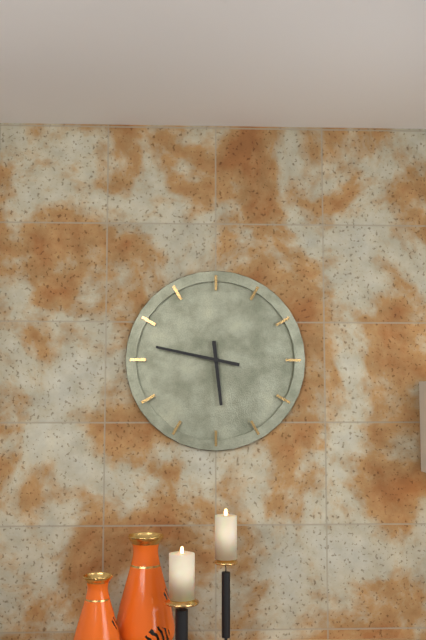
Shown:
**5:47**
